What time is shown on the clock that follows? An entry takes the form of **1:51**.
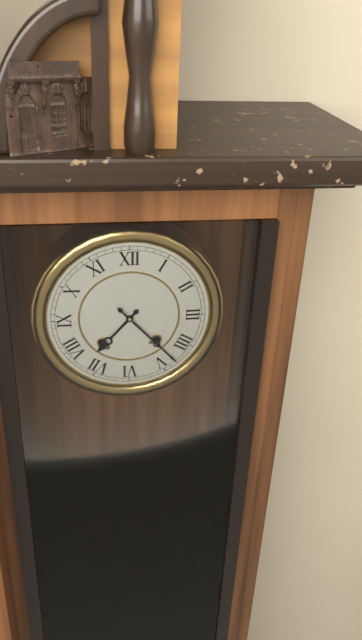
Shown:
**7:23**
